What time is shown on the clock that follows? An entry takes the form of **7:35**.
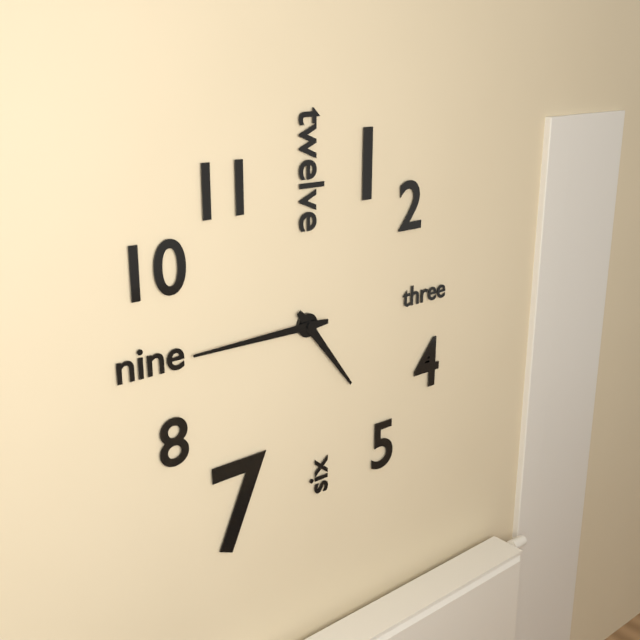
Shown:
**4:45**
